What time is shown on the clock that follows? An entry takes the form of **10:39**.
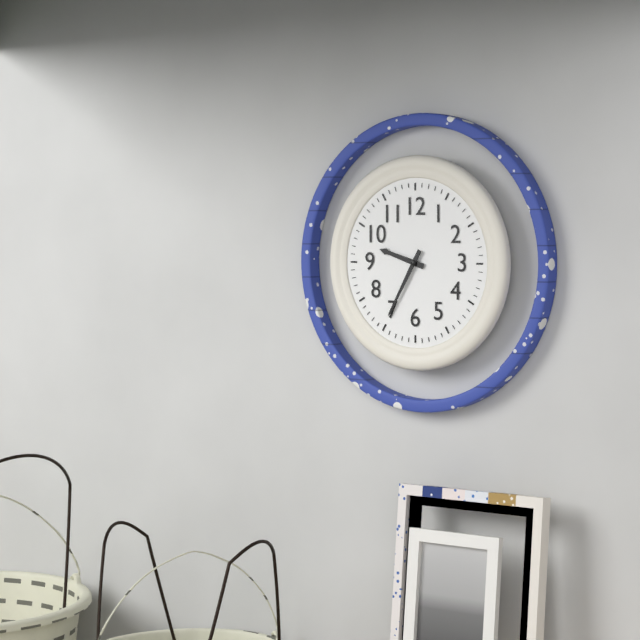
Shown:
**9:35**
